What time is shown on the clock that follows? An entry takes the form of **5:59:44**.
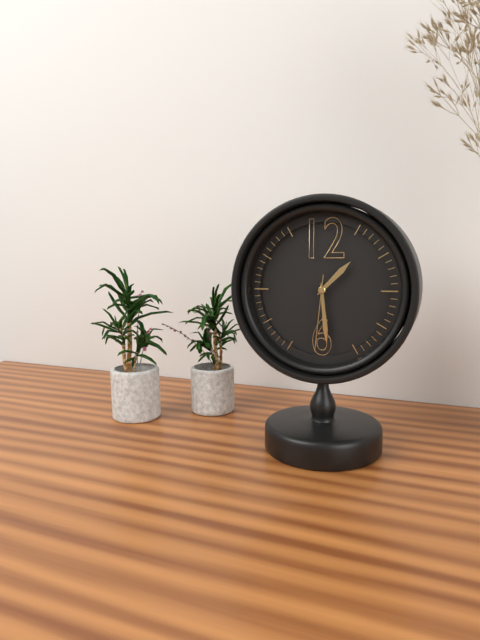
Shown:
**1:29:31**
